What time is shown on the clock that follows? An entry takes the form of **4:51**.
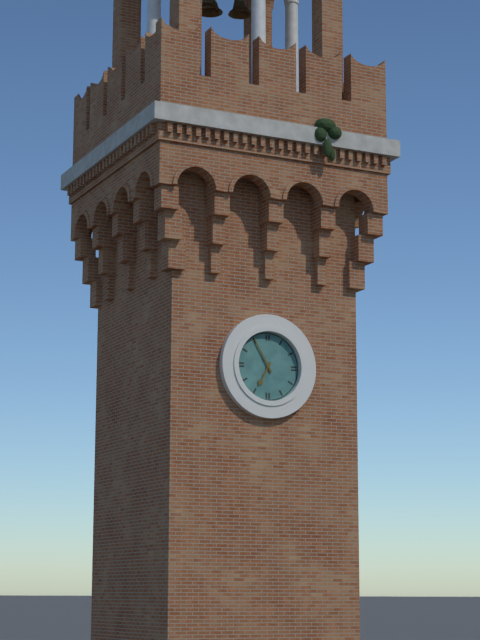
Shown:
**6:55**
